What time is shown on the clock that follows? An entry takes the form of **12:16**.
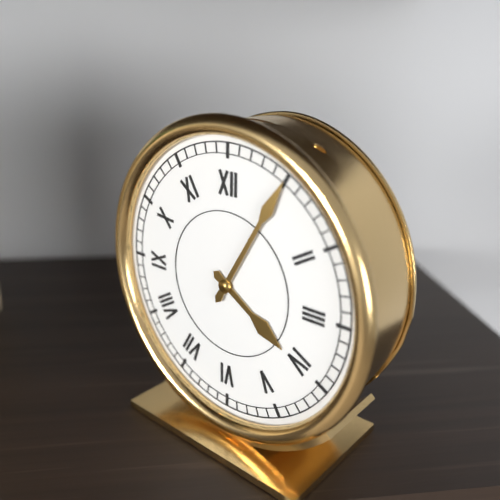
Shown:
**4:05**
